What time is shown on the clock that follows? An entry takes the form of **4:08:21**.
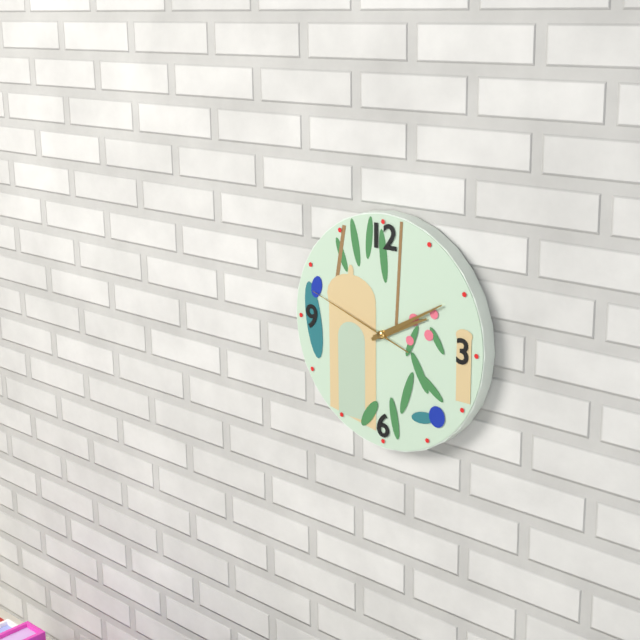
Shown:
**2:10:48**
